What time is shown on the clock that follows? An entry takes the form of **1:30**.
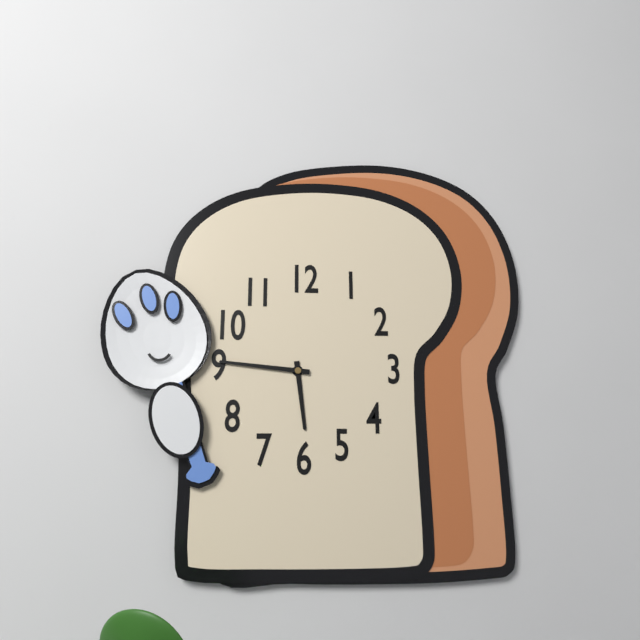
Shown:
**5:46**
